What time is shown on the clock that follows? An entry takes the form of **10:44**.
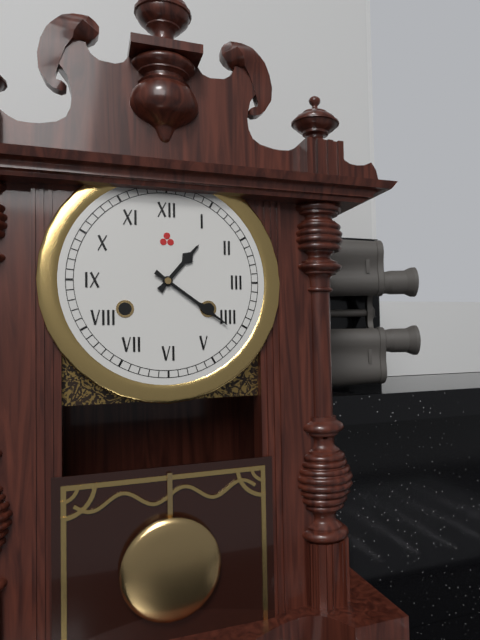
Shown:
**1:21**
